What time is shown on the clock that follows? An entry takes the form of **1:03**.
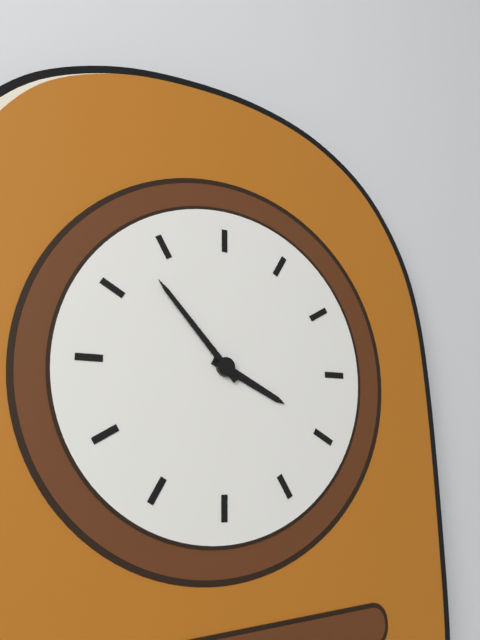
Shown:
**3:53**
